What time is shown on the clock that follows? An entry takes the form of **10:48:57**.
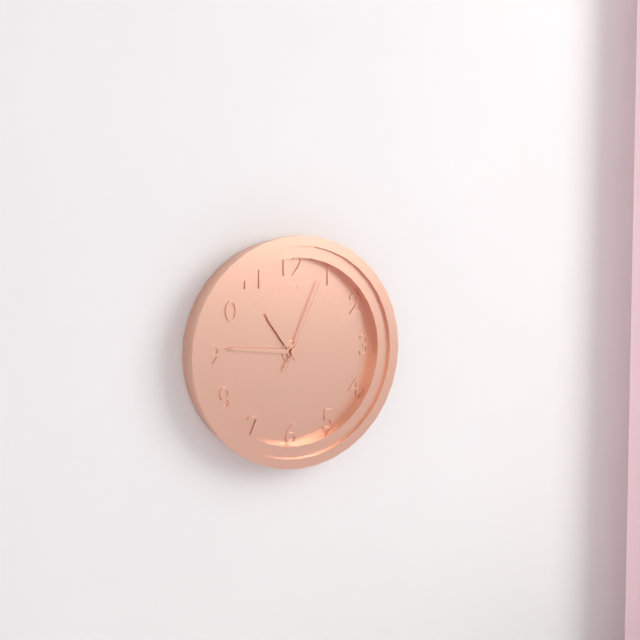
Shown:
**10:46:04**
